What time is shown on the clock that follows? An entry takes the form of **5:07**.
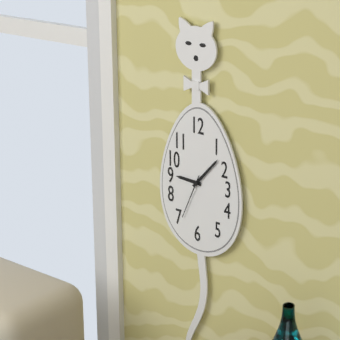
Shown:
**9:07**
